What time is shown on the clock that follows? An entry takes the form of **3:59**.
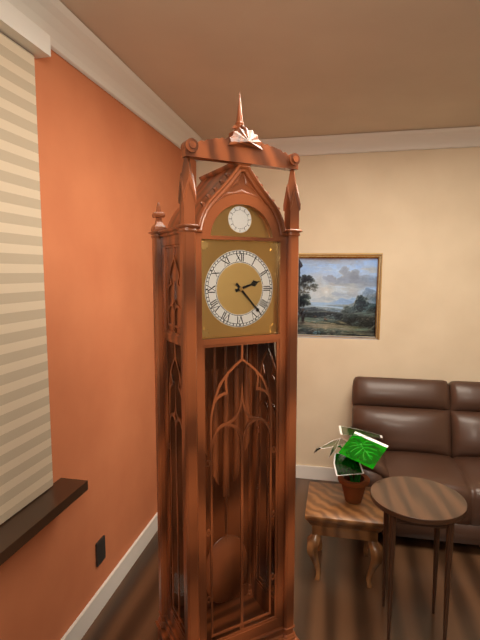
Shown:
**2:23**
